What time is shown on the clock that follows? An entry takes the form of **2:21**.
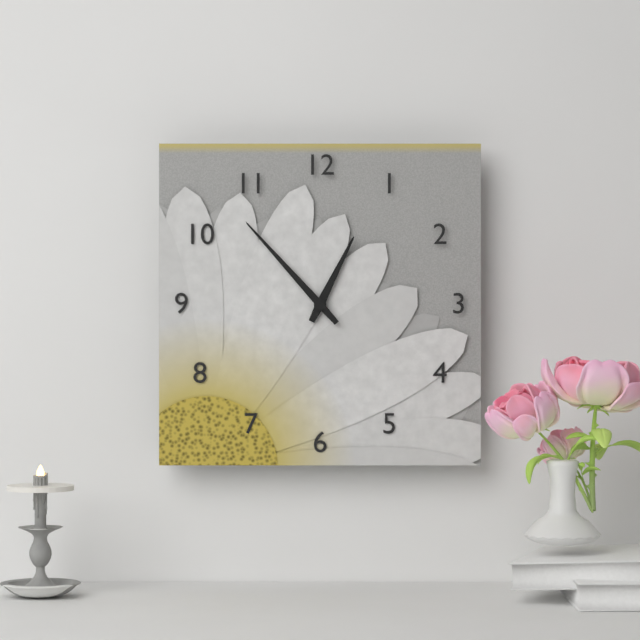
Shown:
**12:53**
